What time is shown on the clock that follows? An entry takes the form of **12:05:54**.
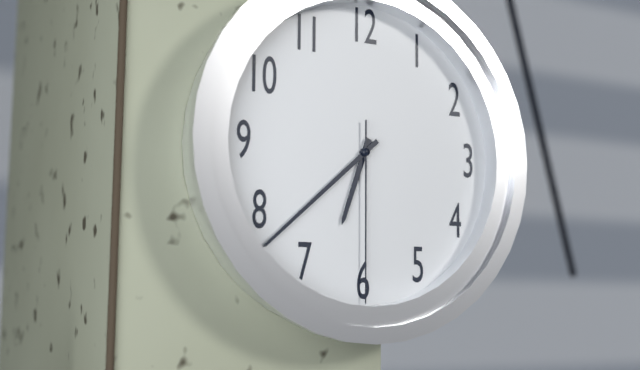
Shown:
**6:38:30**
